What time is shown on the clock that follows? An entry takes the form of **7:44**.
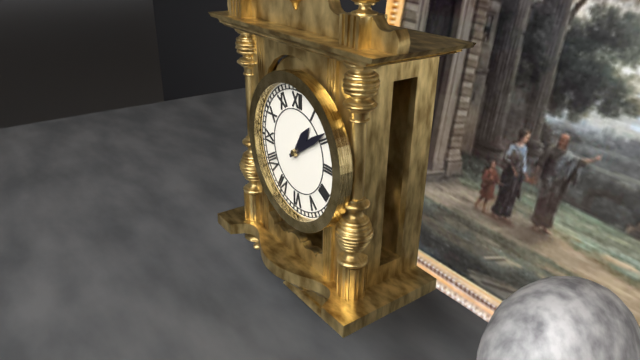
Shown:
**1:09**
